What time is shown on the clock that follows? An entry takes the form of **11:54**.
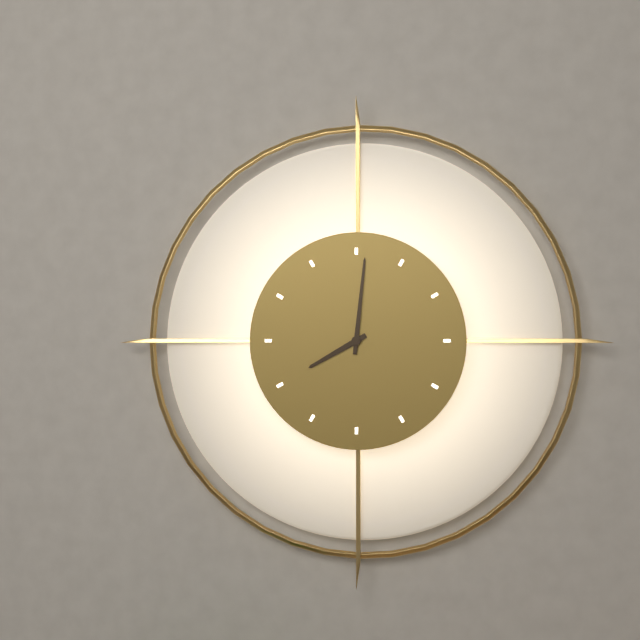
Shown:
**8:01**
